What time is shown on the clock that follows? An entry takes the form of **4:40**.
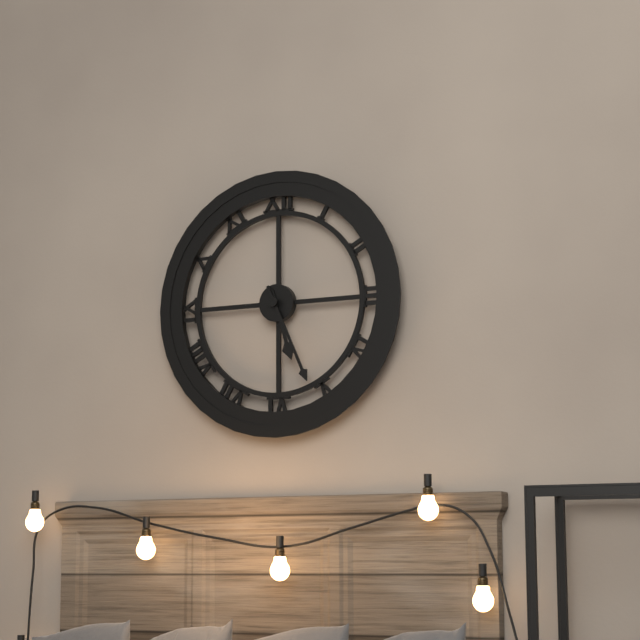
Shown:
**5:26**
